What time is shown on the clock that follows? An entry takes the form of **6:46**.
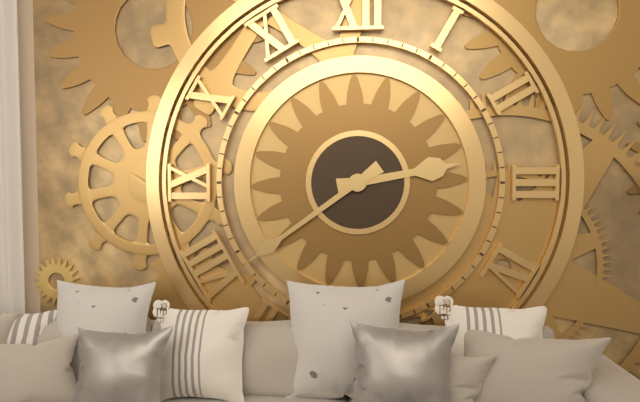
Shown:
**2:39**
